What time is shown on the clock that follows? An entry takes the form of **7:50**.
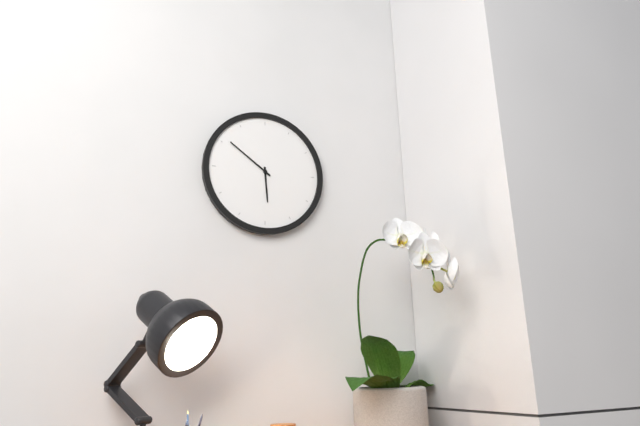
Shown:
**5:51**
